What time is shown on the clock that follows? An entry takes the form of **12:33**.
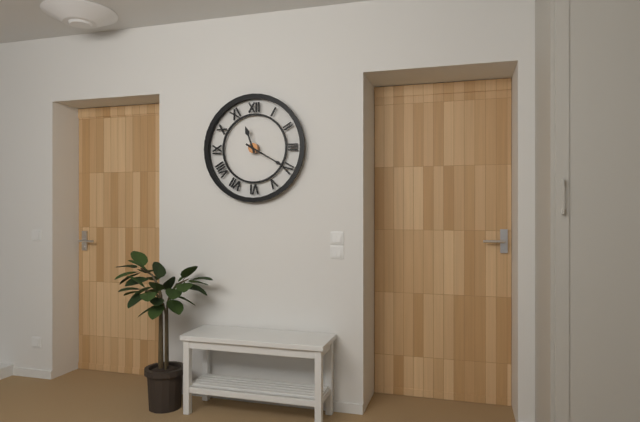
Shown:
**11:20**
